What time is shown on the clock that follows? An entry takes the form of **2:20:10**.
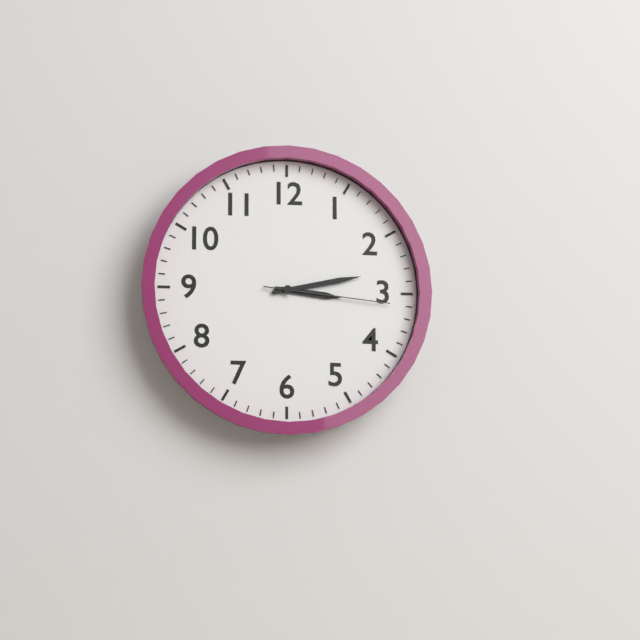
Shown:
**3:13:16**
